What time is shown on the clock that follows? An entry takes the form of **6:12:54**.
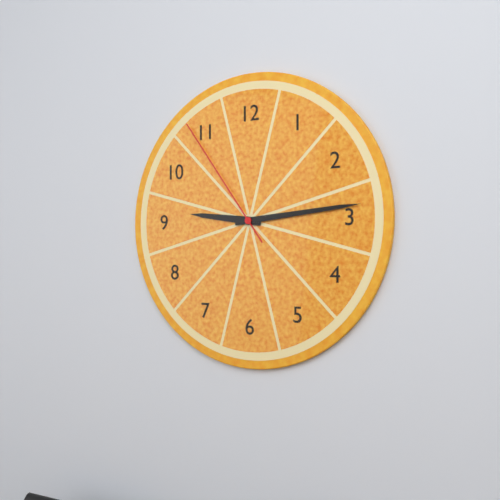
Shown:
**9:14:54**
